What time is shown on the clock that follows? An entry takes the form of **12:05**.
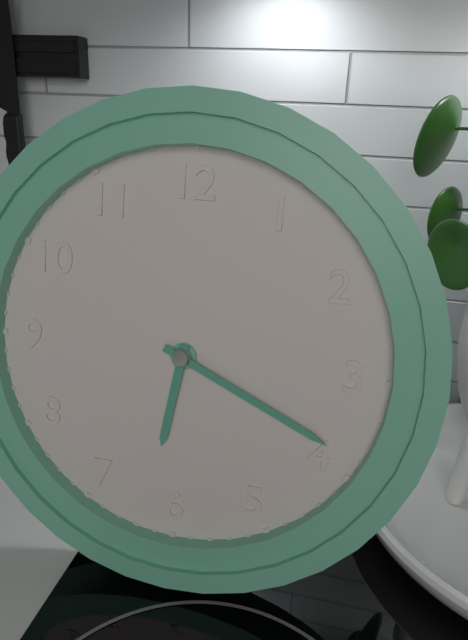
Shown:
**6:19**
